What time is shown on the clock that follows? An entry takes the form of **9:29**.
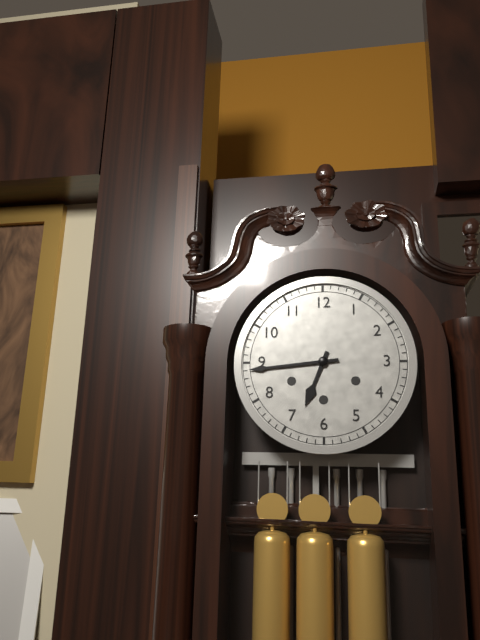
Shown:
**6:44**
